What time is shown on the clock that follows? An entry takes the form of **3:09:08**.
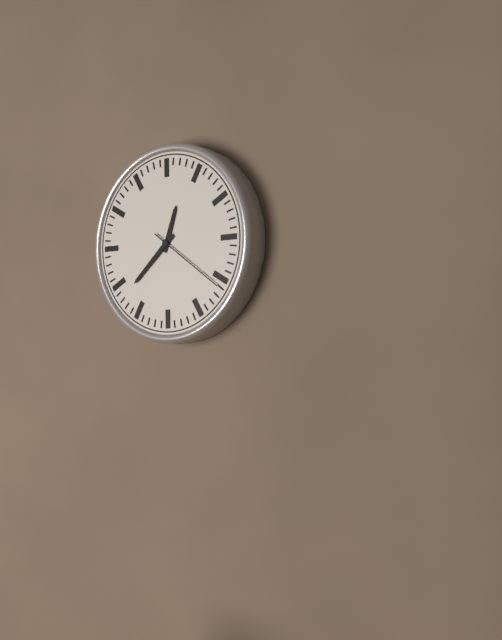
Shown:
**12:38:21**
